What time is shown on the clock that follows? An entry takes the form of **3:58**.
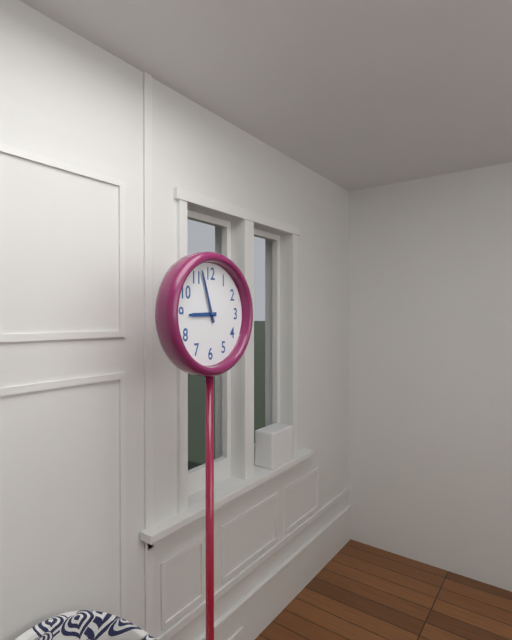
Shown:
**8:57**
